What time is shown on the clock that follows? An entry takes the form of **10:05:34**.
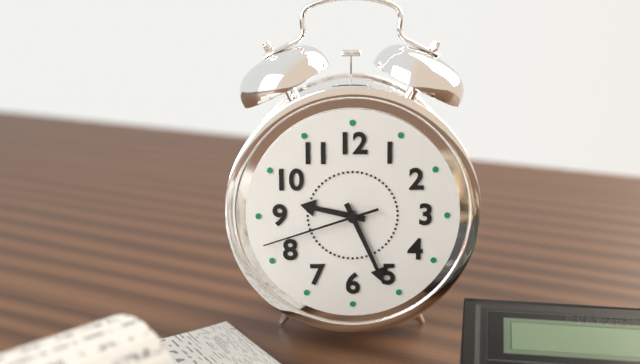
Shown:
**9:26:42**
